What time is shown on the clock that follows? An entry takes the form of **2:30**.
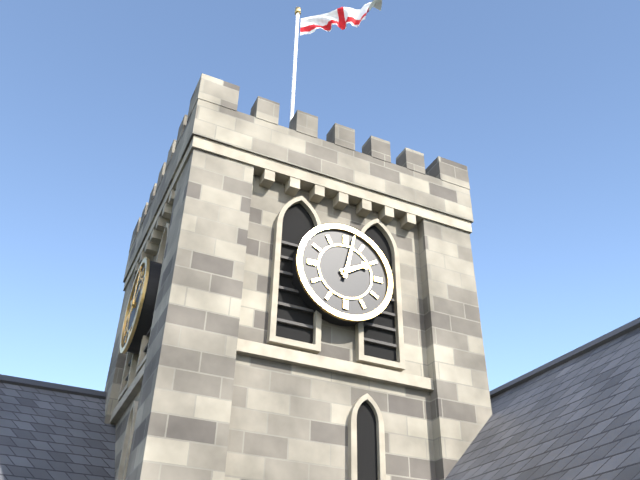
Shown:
**2:02**
